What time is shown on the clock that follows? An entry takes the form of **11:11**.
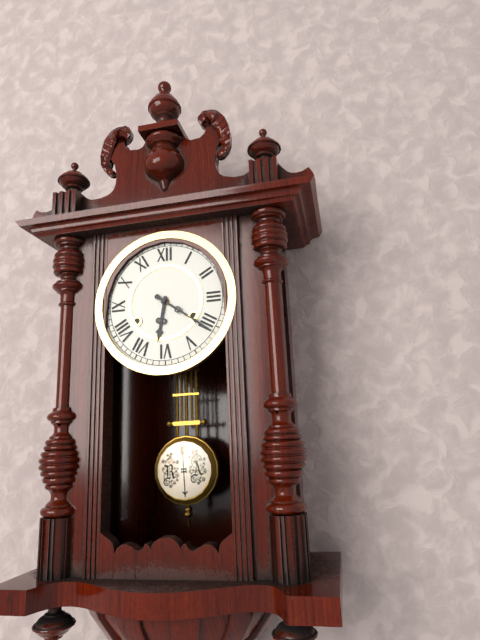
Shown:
**6:21**
